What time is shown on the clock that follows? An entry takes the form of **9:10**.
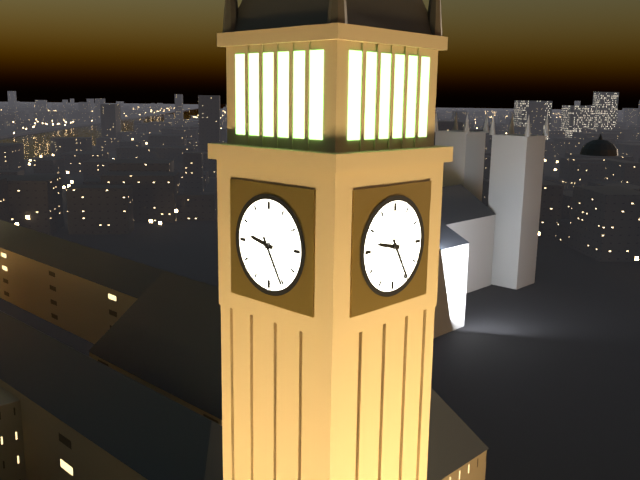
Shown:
**9:25**
